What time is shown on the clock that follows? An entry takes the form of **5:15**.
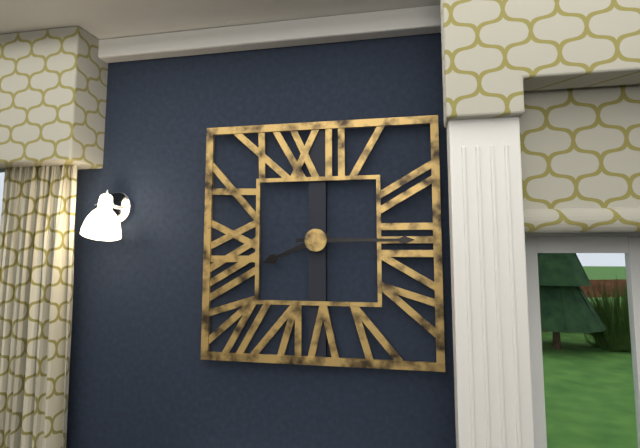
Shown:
**8:15**
